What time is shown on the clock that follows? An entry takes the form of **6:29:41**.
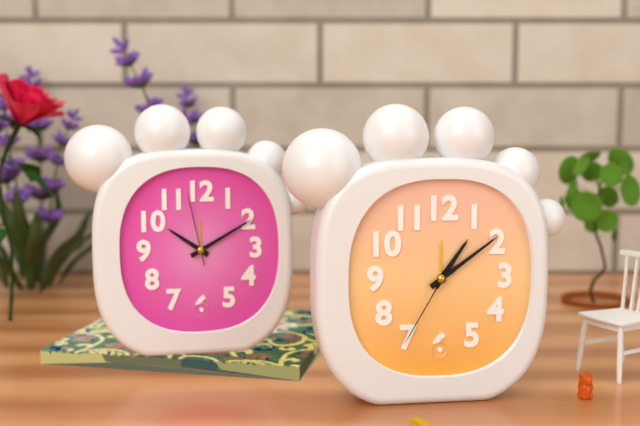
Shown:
**1:09:35**
